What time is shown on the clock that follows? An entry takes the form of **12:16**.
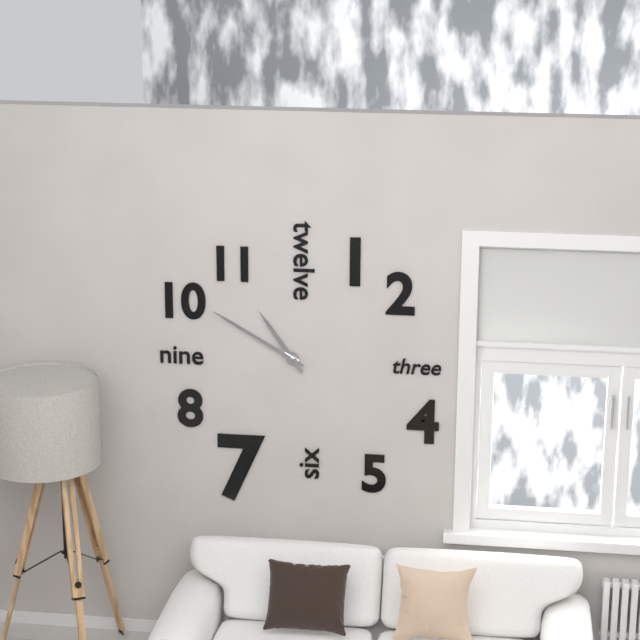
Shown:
**10:50**
